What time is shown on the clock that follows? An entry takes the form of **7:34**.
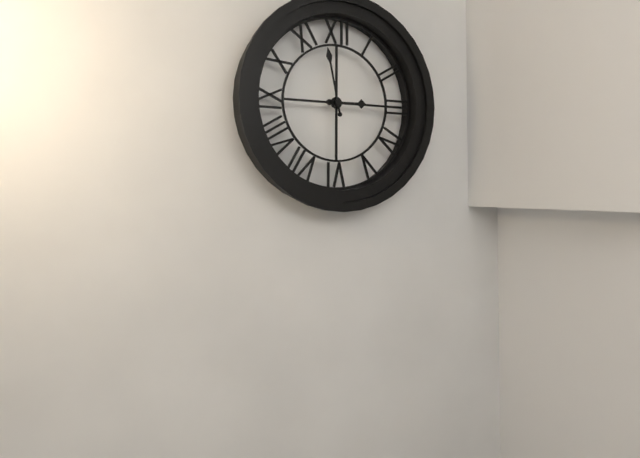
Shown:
**2:58**
